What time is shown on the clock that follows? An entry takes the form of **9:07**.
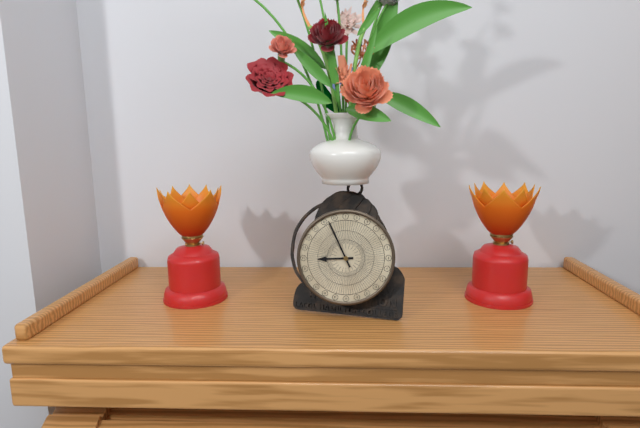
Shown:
**8:56**
